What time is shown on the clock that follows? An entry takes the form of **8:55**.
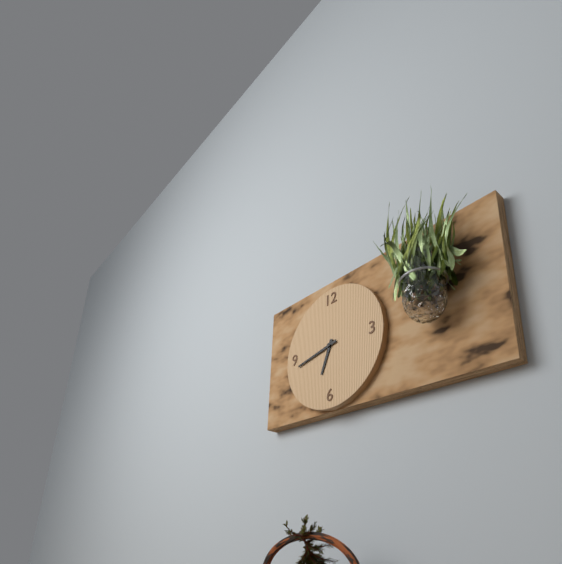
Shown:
**6:43**
